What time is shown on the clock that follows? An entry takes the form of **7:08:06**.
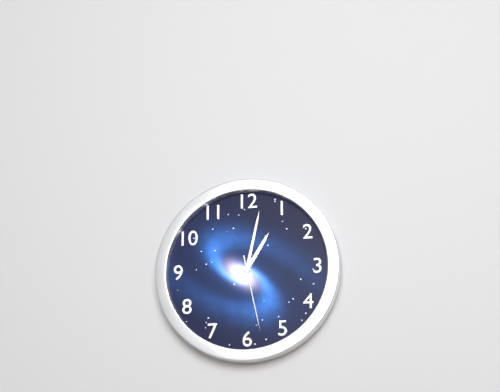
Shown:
**1:02:28**
